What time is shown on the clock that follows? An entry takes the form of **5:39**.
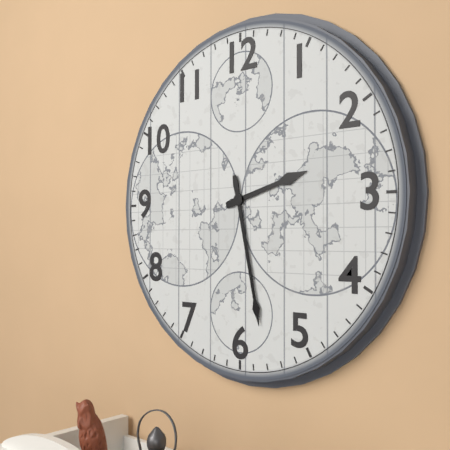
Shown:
**2:28**
